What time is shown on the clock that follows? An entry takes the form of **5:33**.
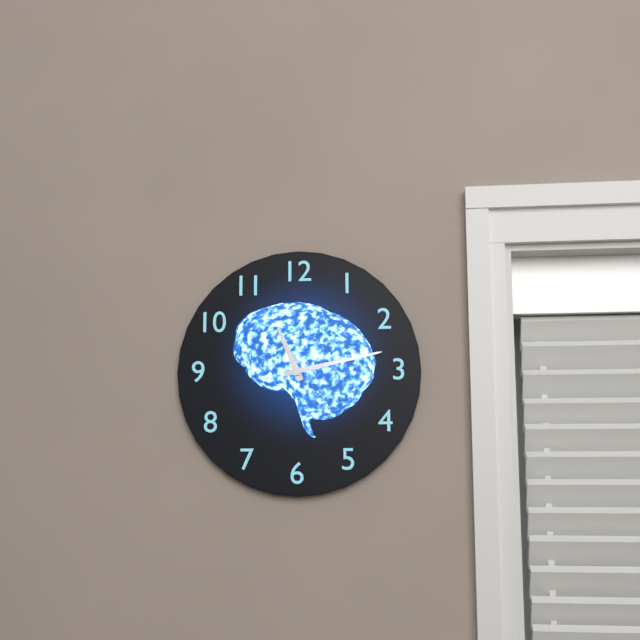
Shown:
**11:13**
